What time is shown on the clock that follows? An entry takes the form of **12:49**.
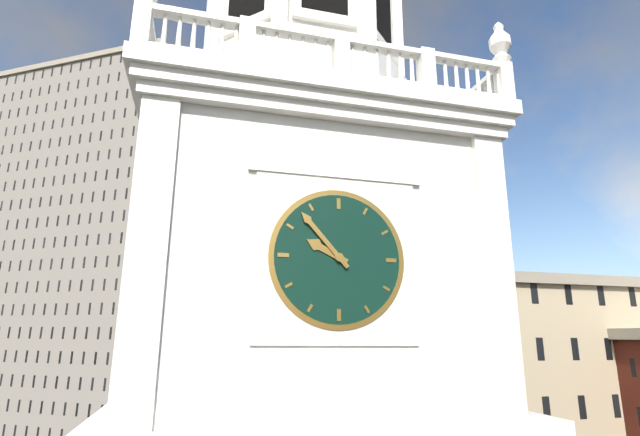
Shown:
**9:53**
